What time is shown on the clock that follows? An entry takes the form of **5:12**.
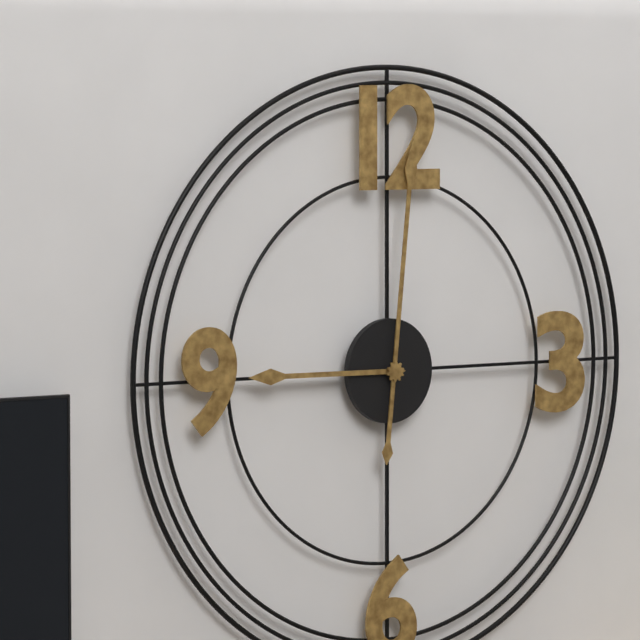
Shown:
**9:01**
